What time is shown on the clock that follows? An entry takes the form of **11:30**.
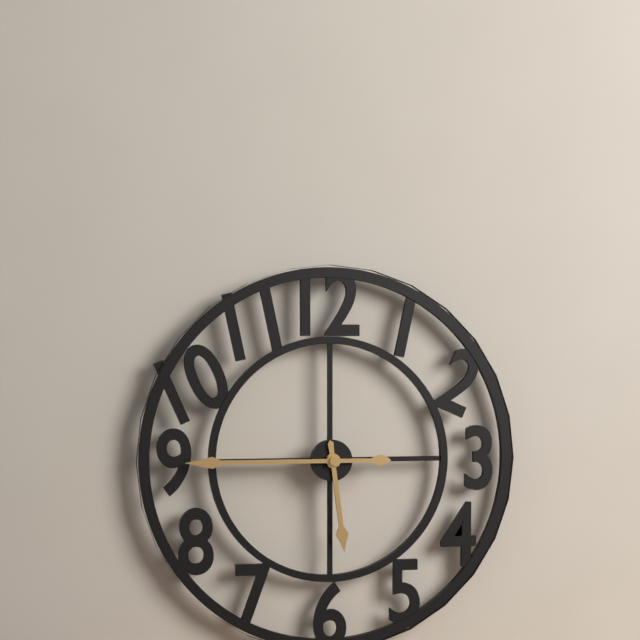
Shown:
**5:45**
